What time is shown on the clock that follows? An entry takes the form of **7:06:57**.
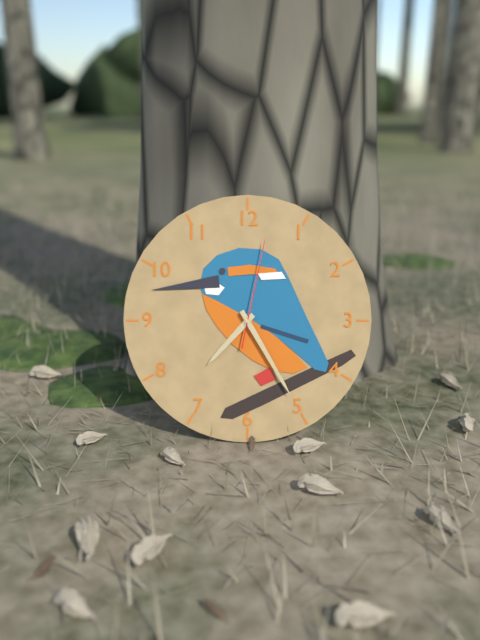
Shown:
**7:25:02**
